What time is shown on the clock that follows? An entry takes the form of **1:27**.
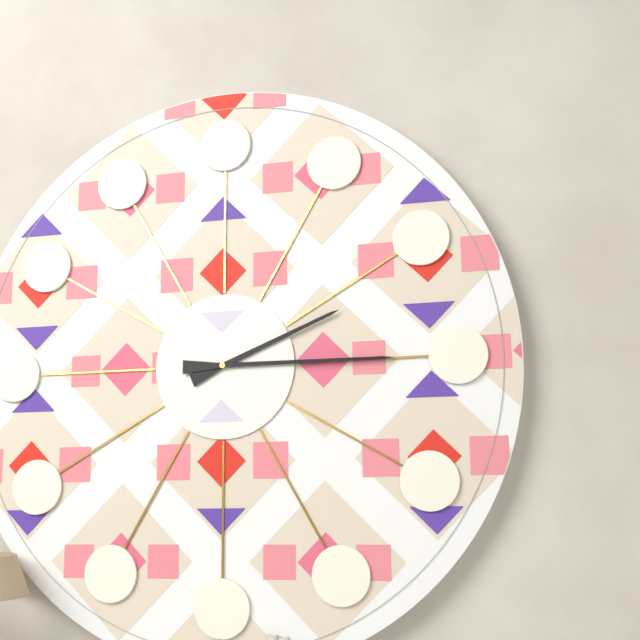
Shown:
**2:15**
